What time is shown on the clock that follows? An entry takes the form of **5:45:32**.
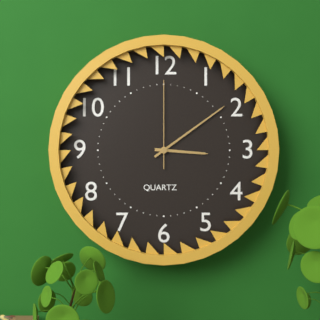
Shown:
**3:09:00**
